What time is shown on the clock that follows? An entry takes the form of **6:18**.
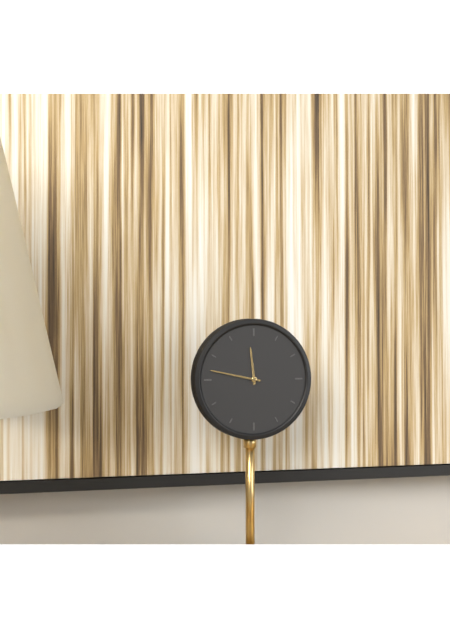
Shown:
**11:47**
